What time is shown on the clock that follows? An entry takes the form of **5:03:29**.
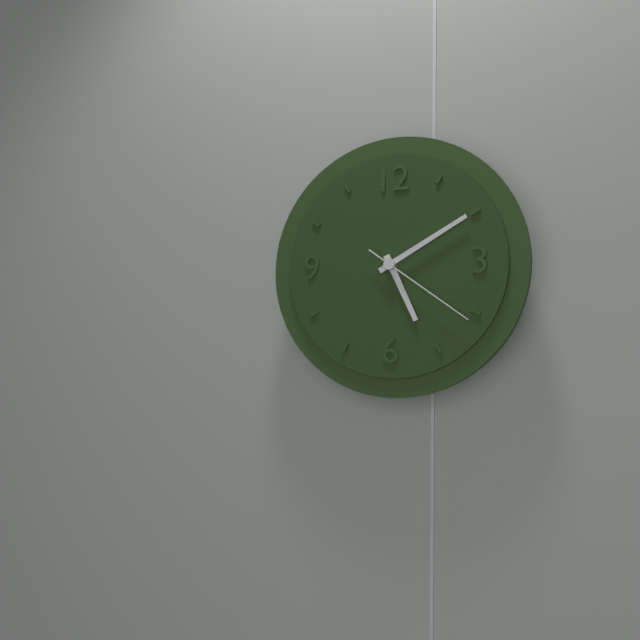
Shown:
**5:10:21**
